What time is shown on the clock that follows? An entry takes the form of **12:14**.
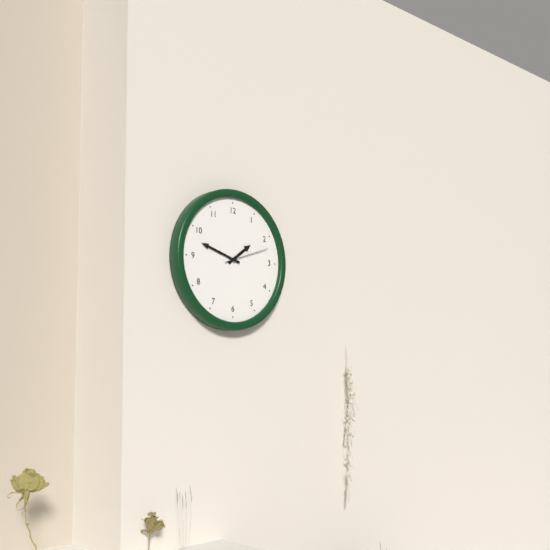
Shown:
**1:48**
